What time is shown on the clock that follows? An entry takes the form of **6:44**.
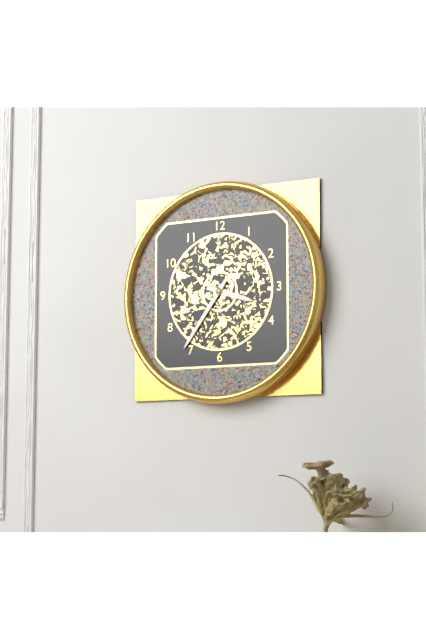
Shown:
**3:36**
